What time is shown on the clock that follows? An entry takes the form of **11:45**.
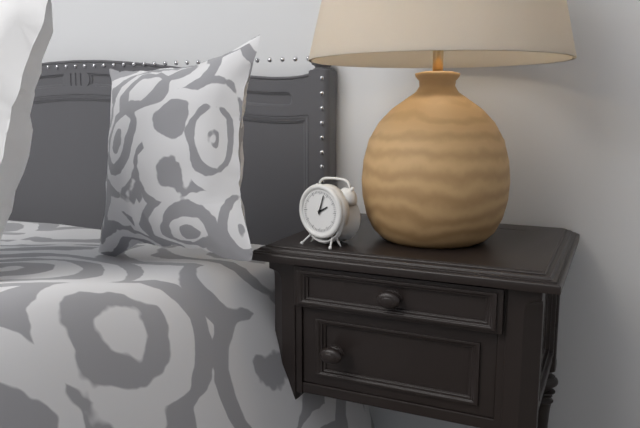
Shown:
**2:03**
